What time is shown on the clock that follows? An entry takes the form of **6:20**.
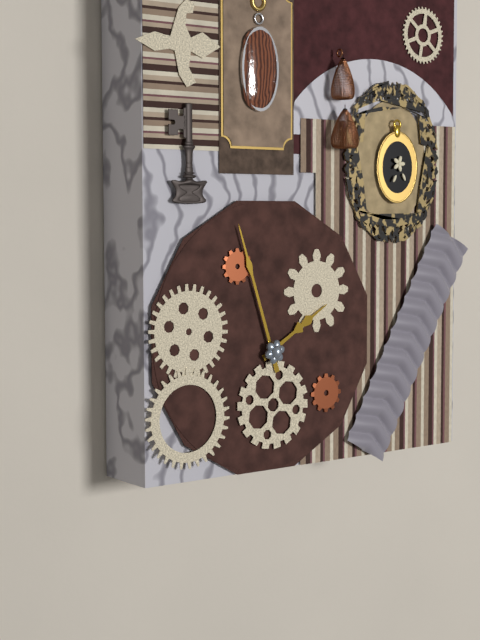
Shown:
**1:57**
